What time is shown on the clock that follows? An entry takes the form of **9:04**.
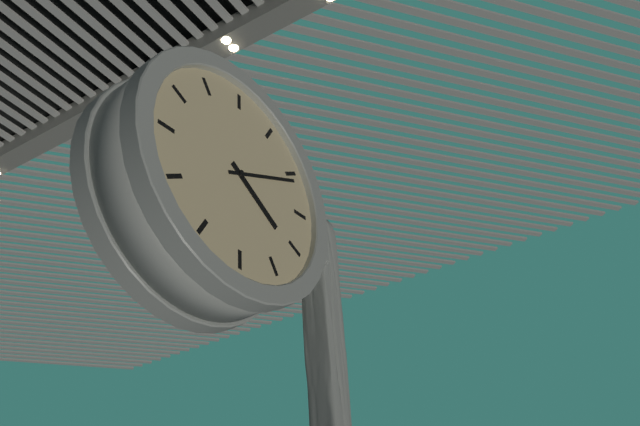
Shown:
**4:11**
